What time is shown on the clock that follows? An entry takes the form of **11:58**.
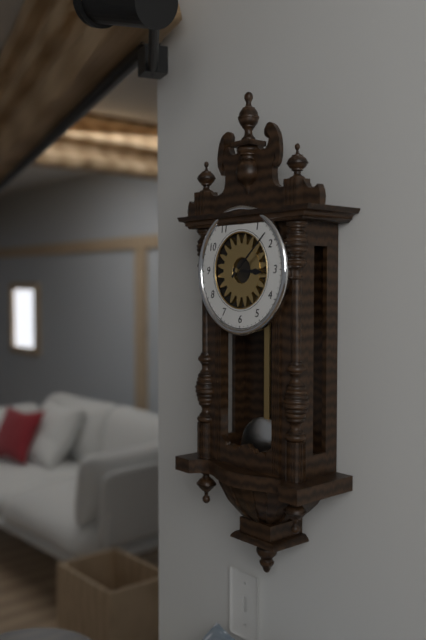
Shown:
**3:08**
